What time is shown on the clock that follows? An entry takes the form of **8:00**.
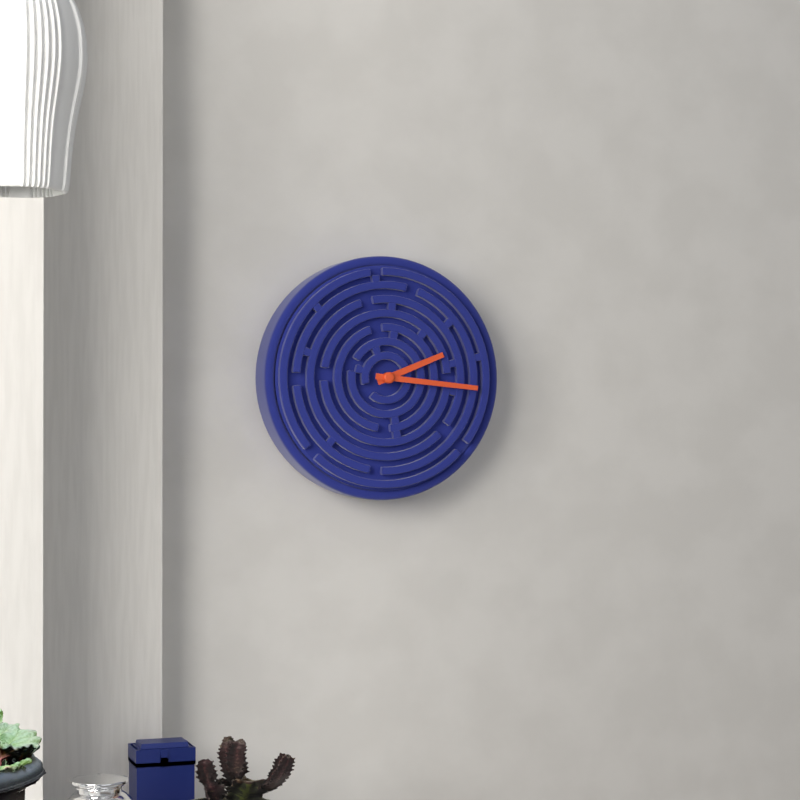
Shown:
**2:16**
